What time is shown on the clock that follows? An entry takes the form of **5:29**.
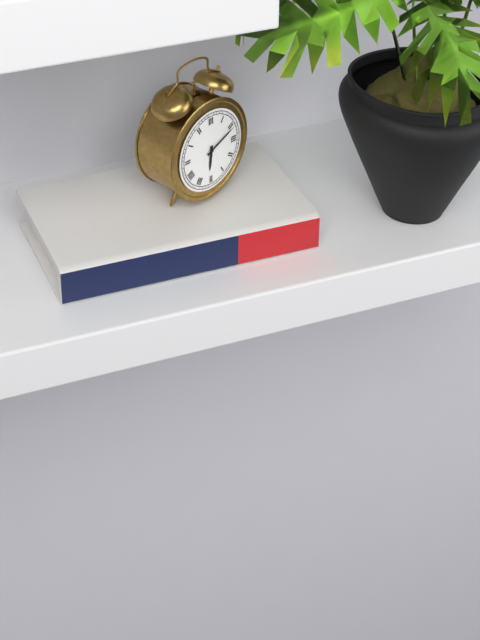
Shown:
**6:11**
